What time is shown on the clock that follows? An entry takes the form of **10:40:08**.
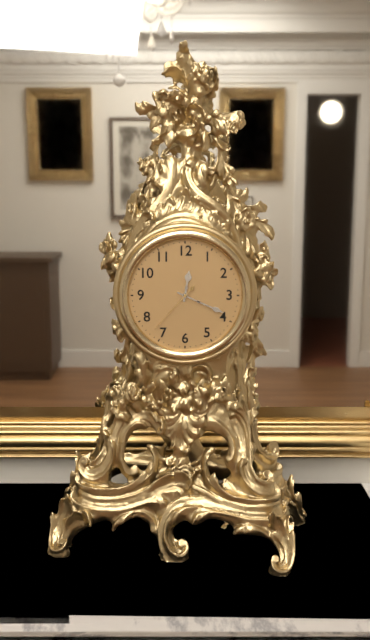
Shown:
**12:19:37**
